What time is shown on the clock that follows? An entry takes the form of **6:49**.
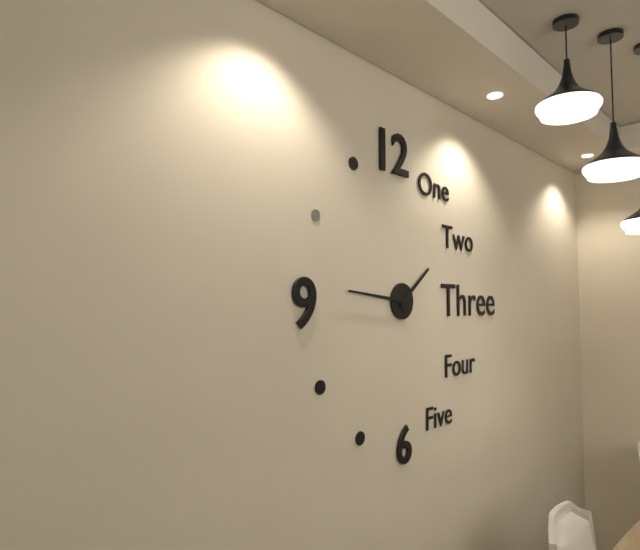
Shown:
**1:46**
